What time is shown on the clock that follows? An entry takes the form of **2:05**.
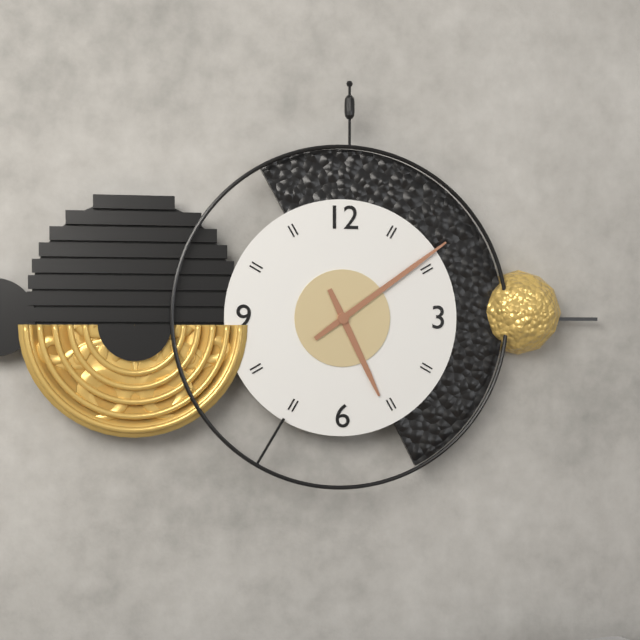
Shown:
**5:09**
